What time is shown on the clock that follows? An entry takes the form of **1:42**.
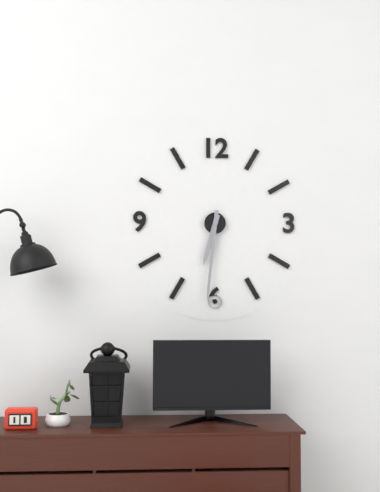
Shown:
**6:31**
